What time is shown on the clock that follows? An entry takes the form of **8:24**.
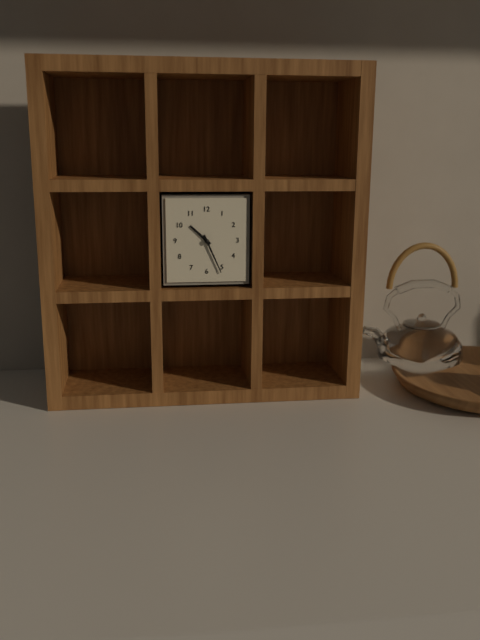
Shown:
**10:26**
